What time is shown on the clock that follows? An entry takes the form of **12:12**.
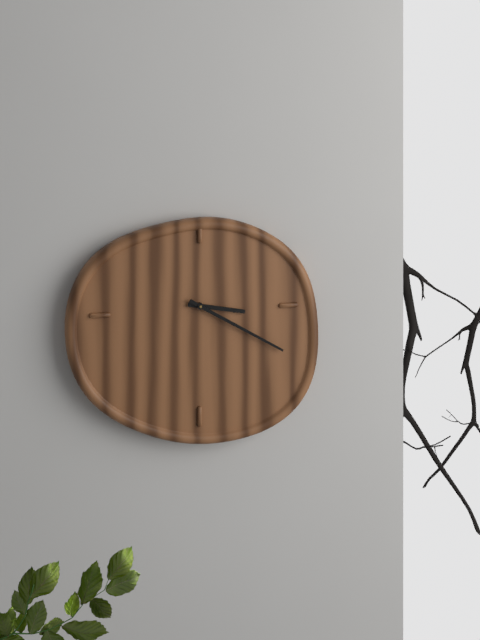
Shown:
**3:20**
